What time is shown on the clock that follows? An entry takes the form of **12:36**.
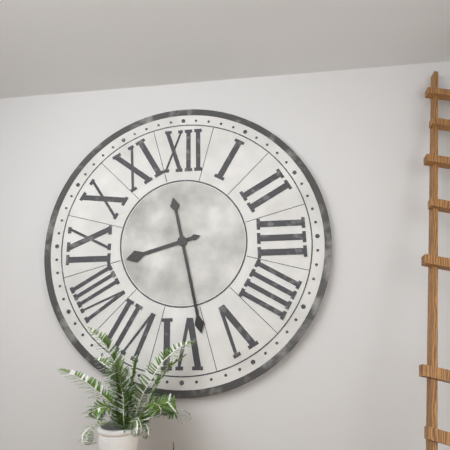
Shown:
**8:28**
